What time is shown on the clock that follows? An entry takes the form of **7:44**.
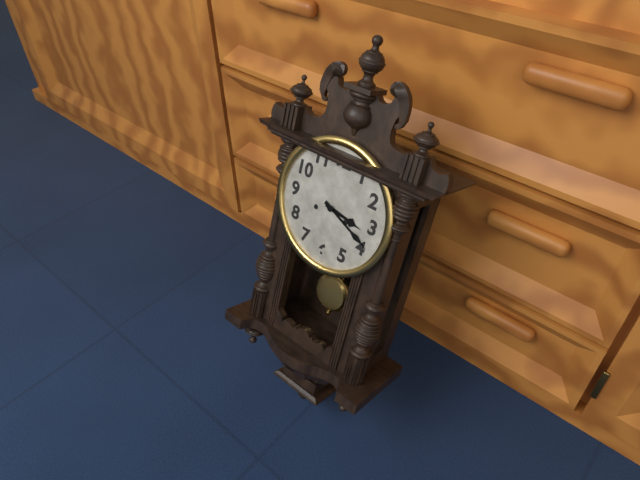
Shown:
**3:19**
